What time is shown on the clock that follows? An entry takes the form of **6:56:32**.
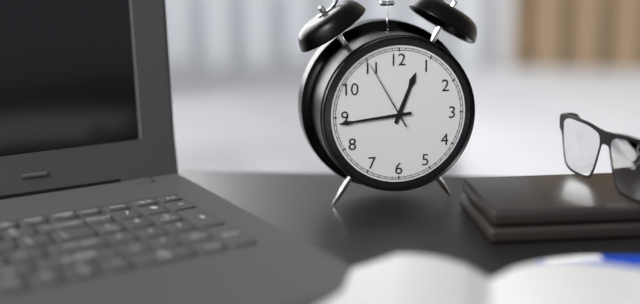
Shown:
**12:44:55**
